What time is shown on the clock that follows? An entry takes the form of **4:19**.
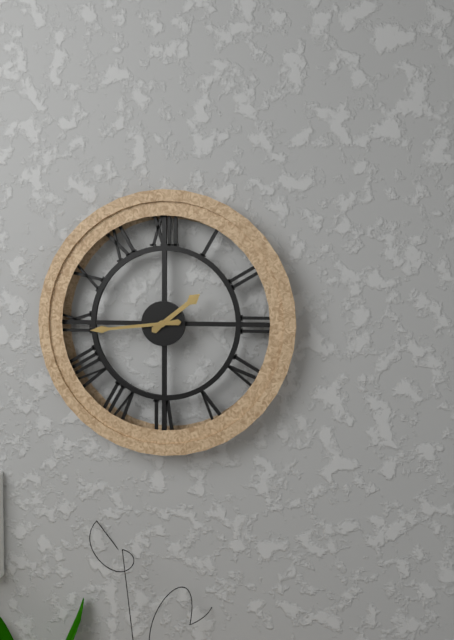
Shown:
**1:44**
